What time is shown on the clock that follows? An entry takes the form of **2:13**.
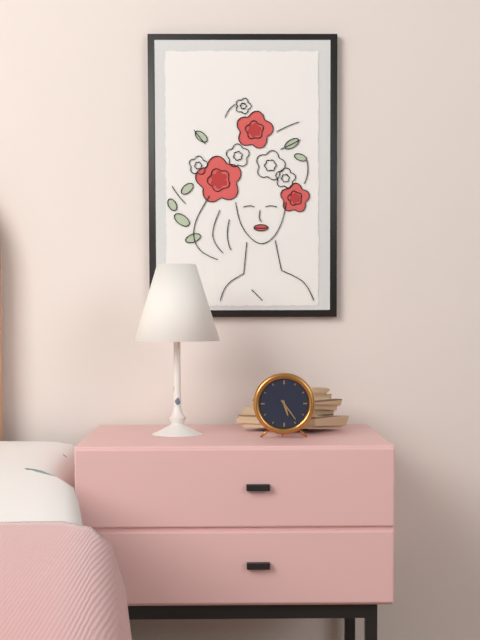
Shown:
**5:24**
